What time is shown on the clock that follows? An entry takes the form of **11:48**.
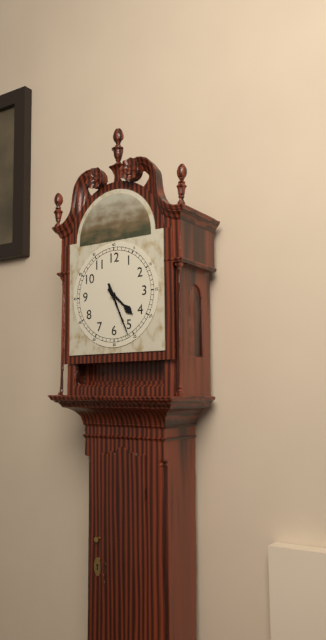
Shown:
**4:26**
